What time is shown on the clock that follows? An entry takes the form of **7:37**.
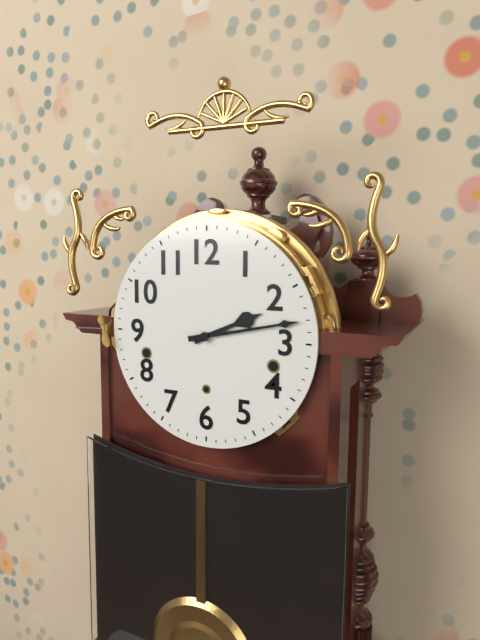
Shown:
**2:13**
